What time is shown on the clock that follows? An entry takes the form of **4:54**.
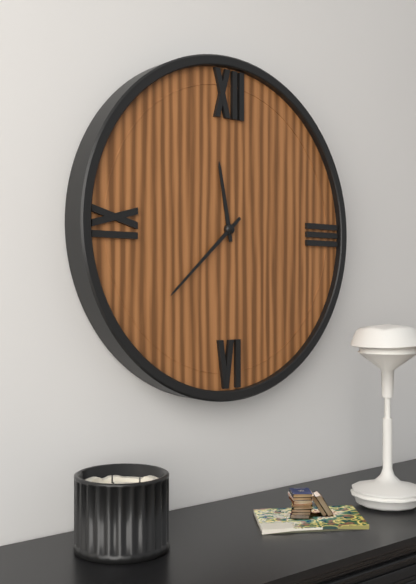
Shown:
**11:38**
